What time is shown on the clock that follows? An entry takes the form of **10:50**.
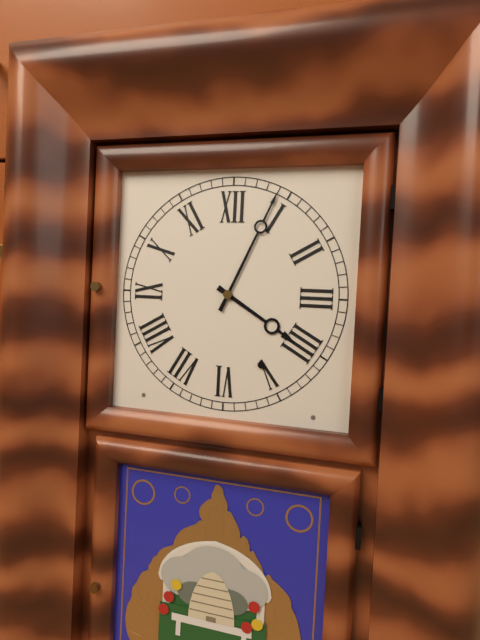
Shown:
**4:04**
